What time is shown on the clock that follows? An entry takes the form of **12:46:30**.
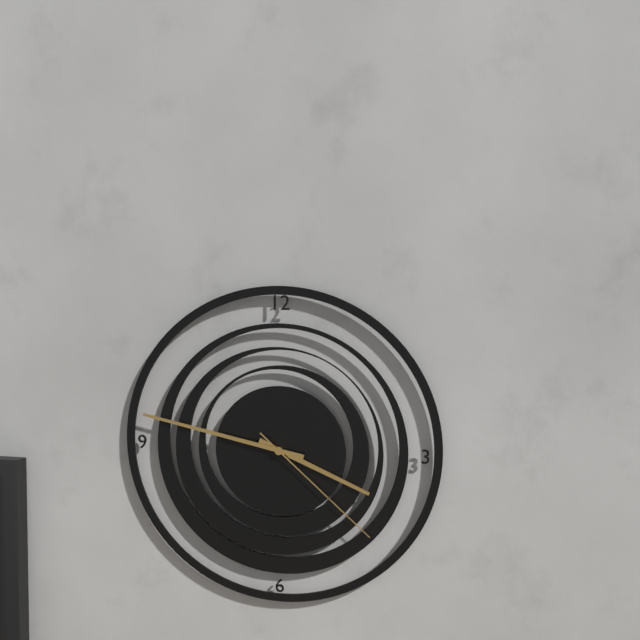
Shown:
**3:47:22**
